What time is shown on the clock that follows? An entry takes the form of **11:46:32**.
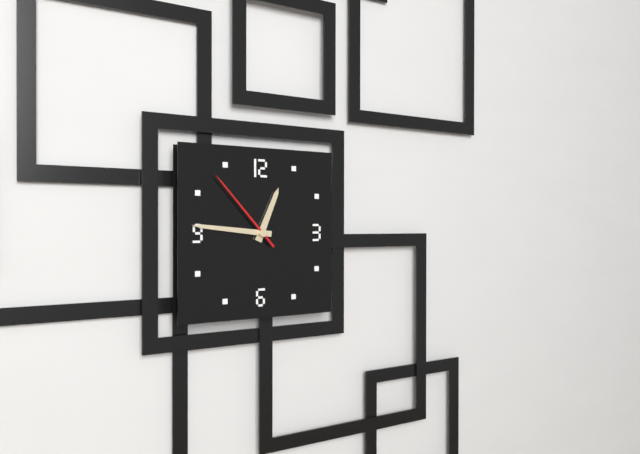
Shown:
**12:46:53**
